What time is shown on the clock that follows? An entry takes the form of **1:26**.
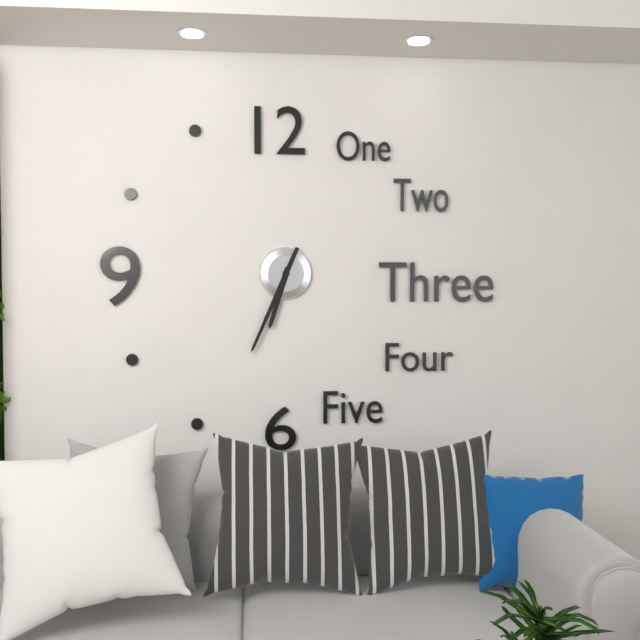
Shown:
**6:34**
